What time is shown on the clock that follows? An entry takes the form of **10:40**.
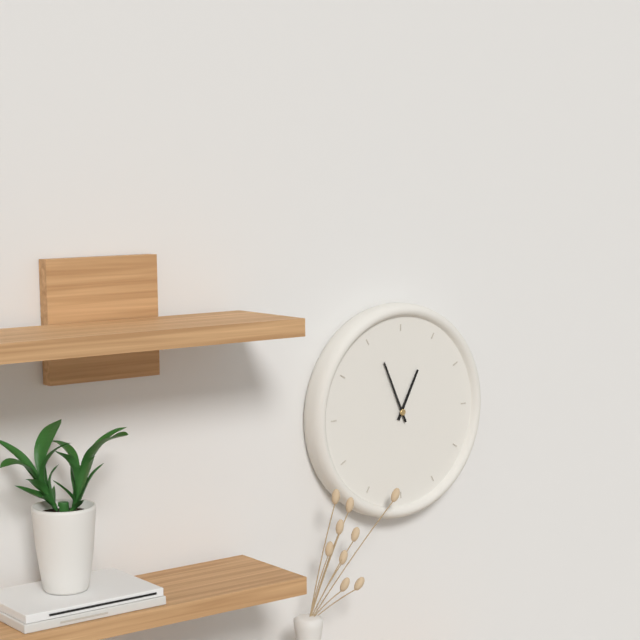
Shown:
**12:56**
